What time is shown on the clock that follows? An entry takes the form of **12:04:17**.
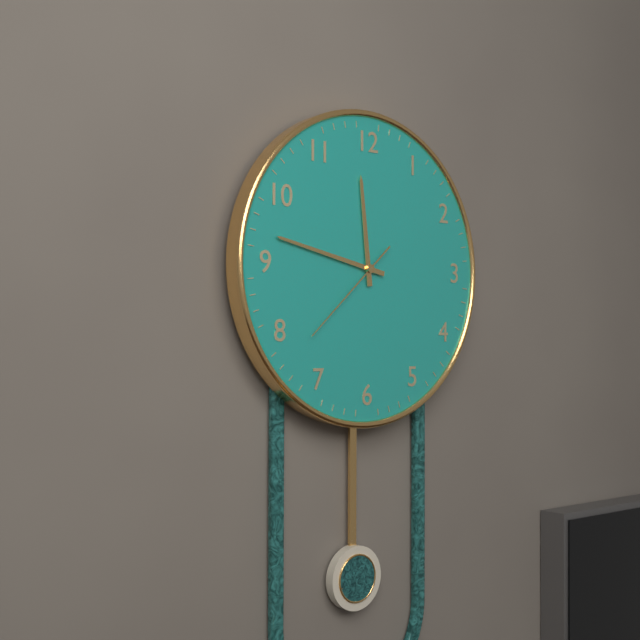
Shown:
**11:47:38**
